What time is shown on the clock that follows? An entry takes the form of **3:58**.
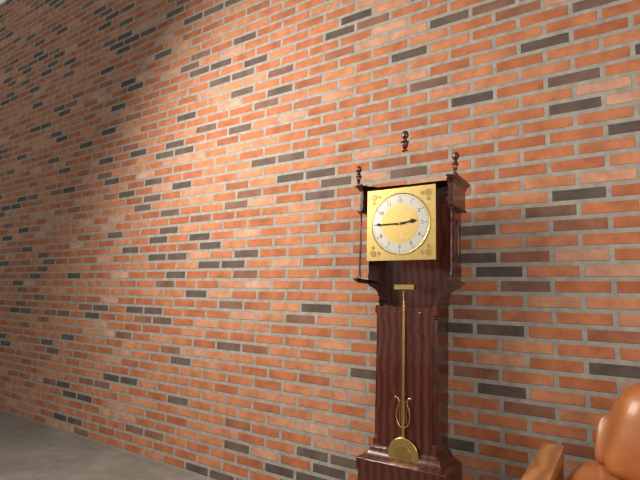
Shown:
**2:45**
